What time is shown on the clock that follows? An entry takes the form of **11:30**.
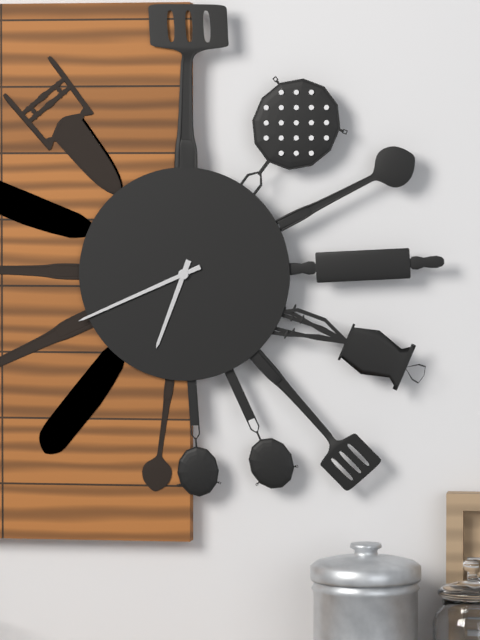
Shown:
**6:41**
